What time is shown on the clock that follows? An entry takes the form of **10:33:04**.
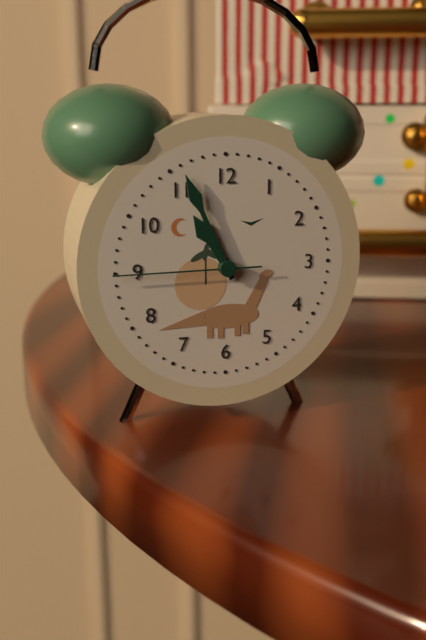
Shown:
**10:56:45**
